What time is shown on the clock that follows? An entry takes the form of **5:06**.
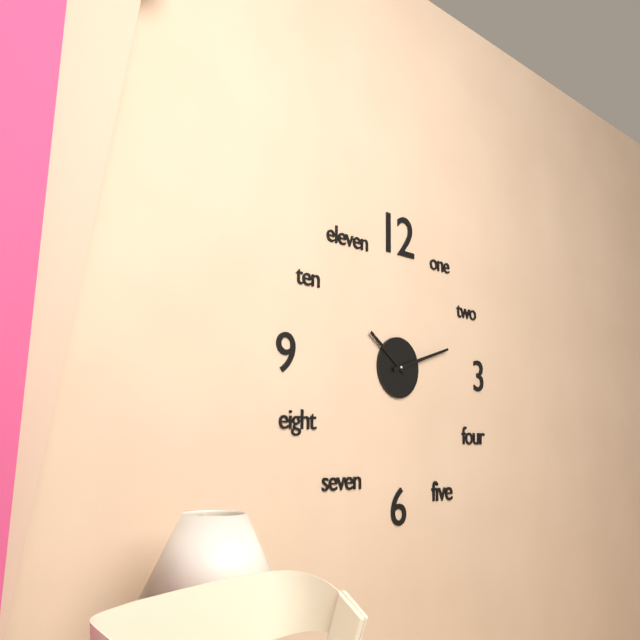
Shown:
**10:12**
